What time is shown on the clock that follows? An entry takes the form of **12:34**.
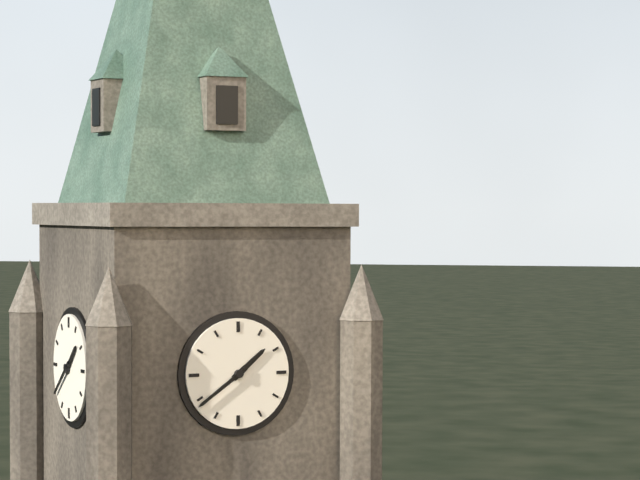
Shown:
**1:39**
